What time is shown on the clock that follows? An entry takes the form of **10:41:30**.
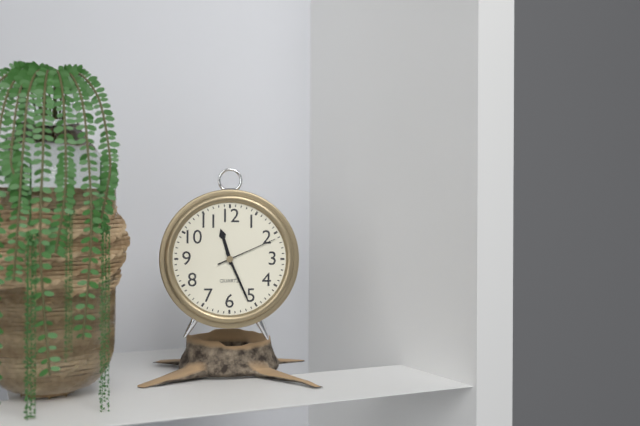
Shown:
**11:26:11**
